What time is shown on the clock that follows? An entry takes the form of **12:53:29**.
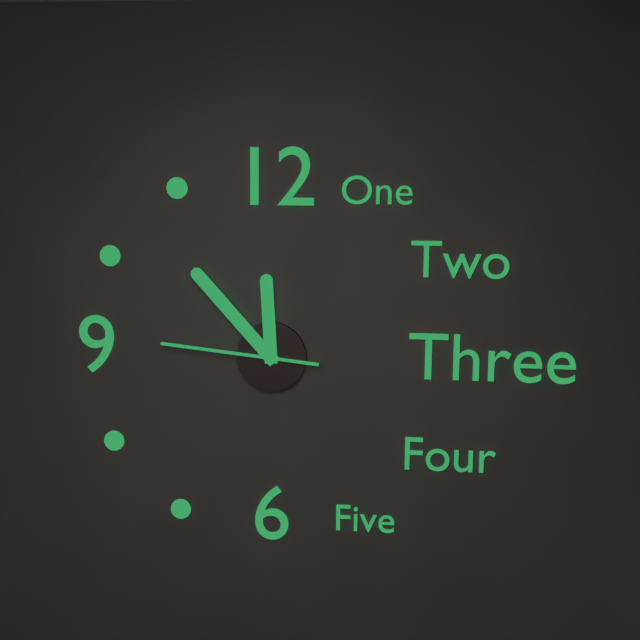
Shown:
**11:53:46**
